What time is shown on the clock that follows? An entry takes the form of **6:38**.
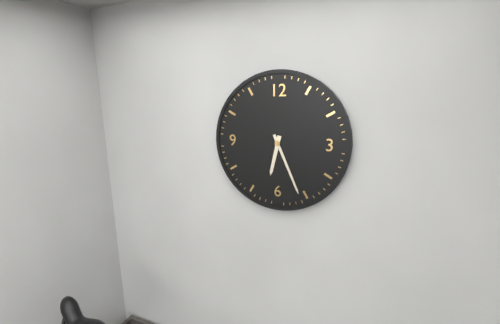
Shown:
**6:26**
